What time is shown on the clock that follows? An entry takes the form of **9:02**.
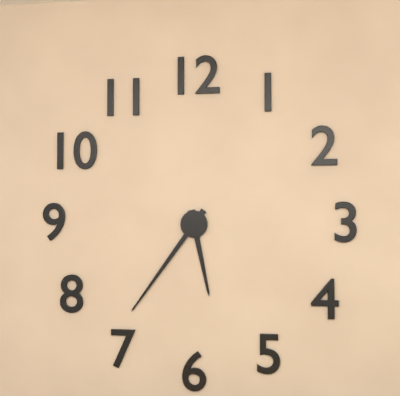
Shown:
**5:36**
